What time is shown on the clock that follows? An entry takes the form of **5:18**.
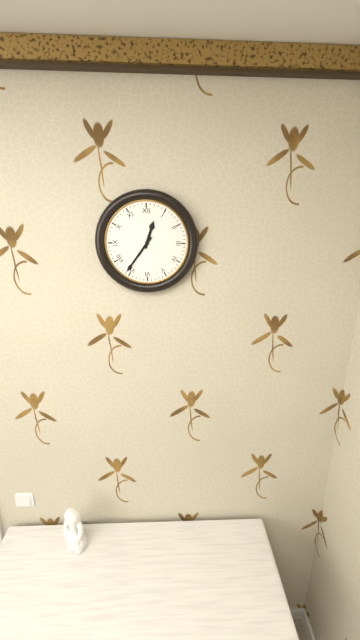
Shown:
**12:36**
